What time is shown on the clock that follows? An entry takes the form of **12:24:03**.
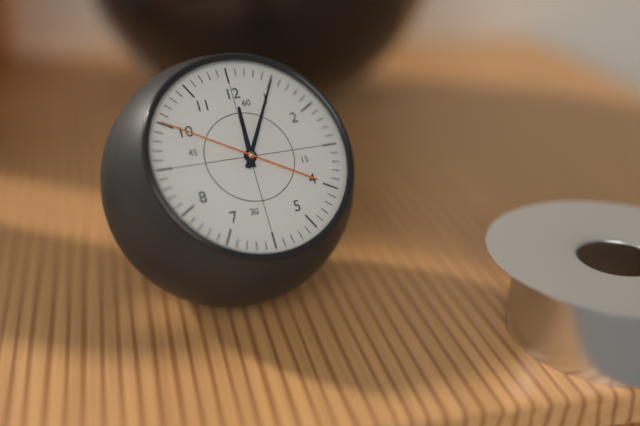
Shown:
**12:05:50**
